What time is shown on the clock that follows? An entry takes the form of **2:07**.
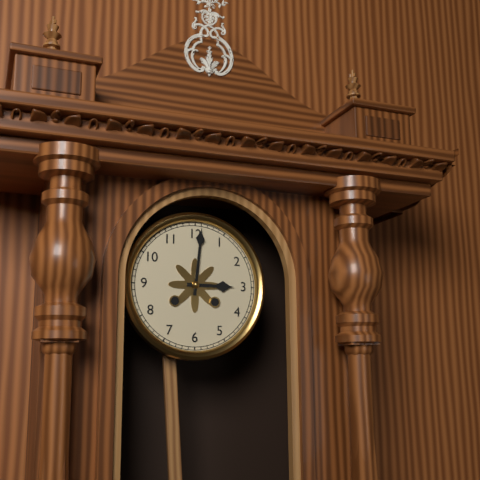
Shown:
**3:01**
